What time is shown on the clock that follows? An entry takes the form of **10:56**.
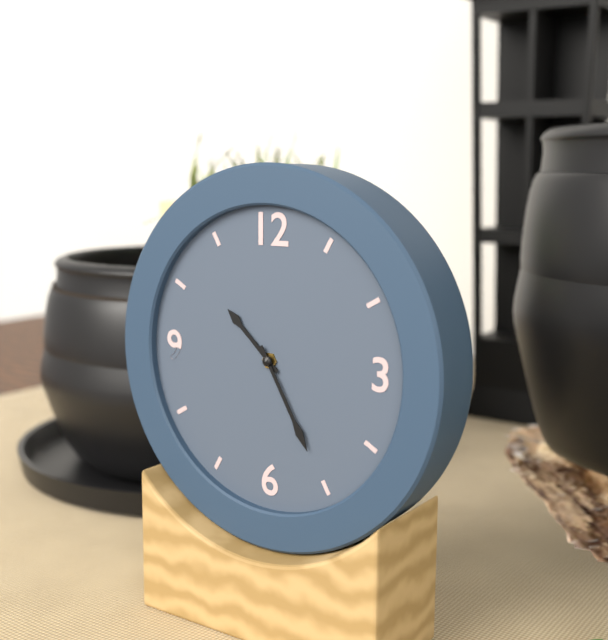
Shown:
**10:25**
